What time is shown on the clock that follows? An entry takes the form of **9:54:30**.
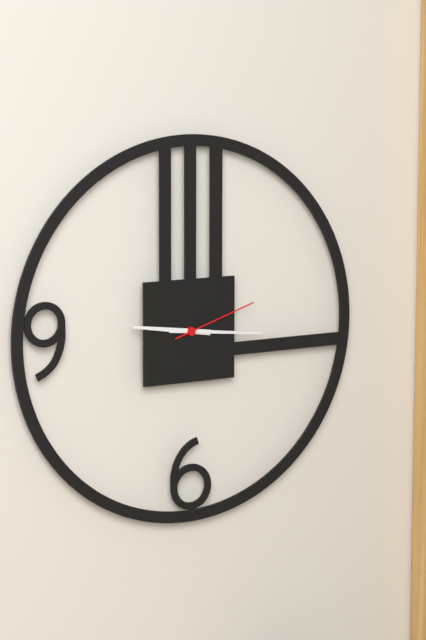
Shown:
**9:16:12**
